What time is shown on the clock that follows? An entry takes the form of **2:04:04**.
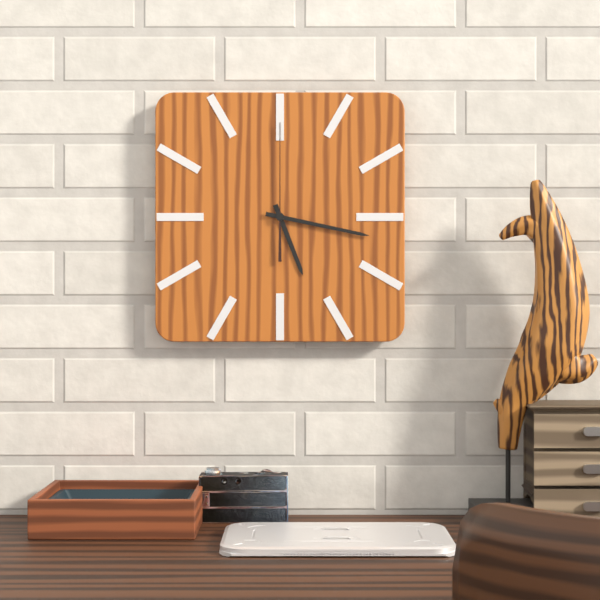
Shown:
**5:17:00**
